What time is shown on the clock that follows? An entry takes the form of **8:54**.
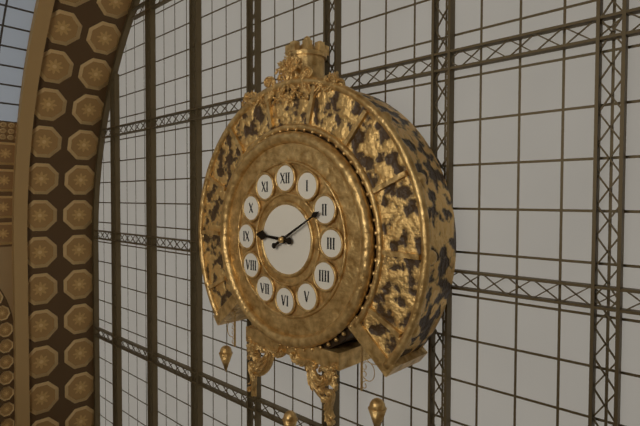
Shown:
**9:10**
